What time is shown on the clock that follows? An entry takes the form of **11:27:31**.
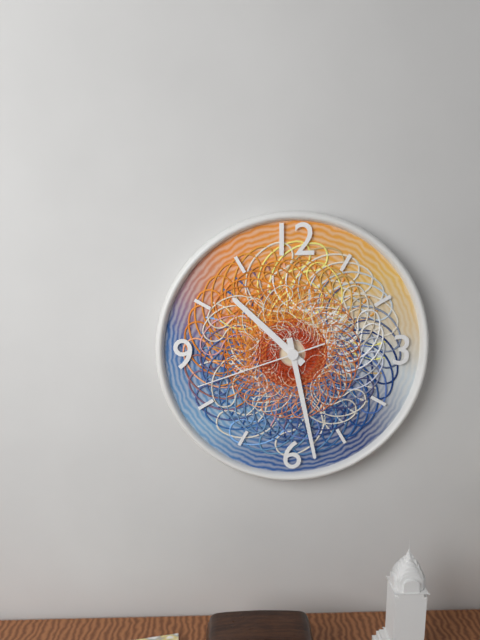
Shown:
**10:28:42**
